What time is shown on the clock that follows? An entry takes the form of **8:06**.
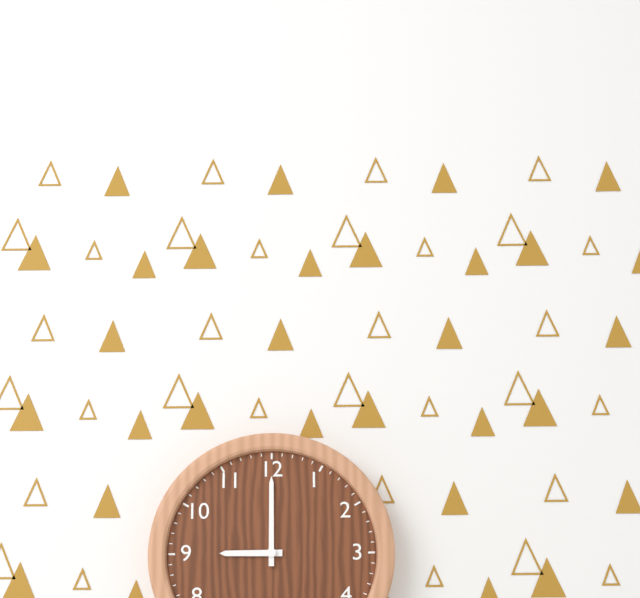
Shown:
**9:00**
